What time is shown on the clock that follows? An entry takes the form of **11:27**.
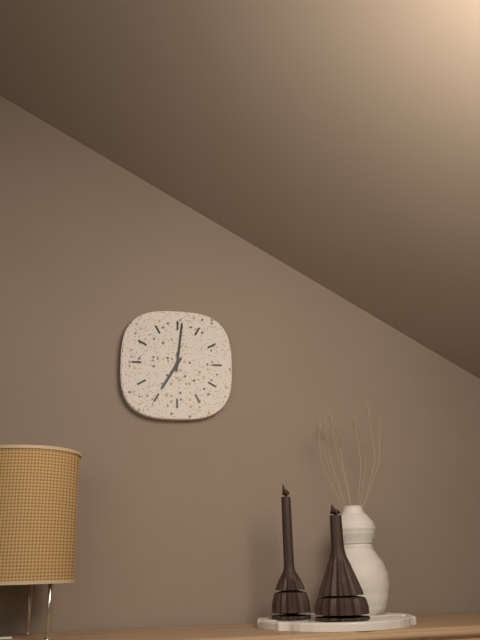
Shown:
**7:01**
